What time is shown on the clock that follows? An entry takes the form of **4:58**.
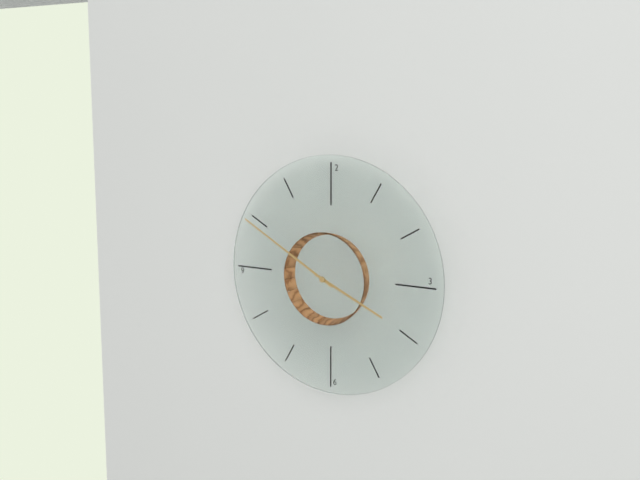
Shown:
**3:50**
